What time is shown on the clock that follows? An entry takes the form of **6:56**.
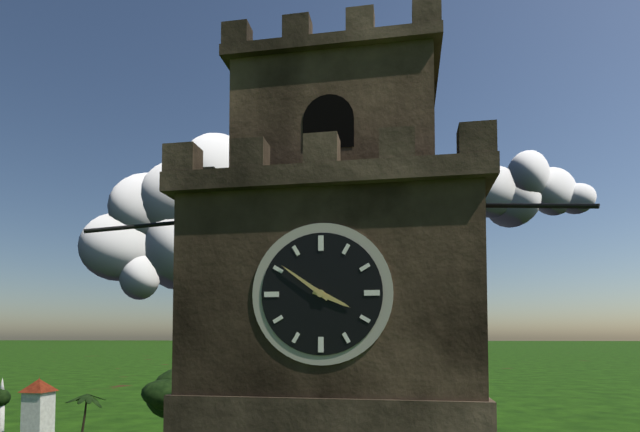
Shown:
**3:51**
